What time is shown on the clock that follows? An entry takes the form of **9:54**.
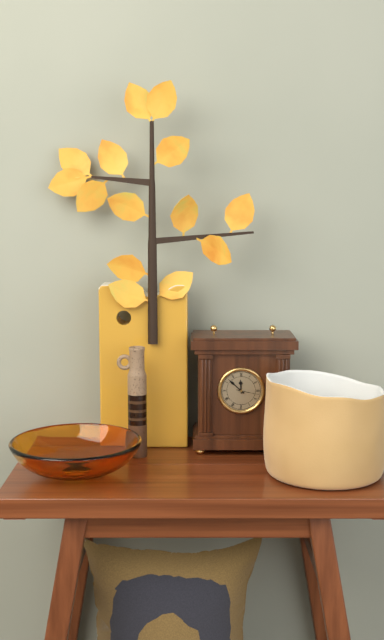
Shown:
**11:52**
